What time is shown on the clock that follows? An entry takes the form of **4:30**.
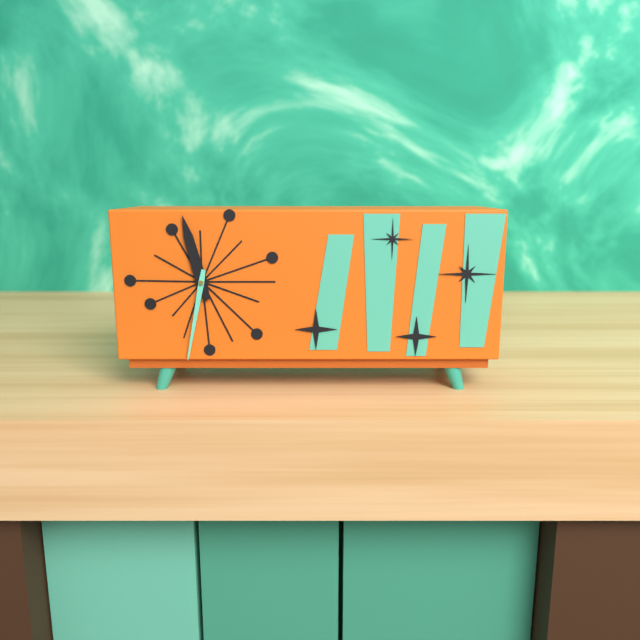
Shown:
**11:32**
